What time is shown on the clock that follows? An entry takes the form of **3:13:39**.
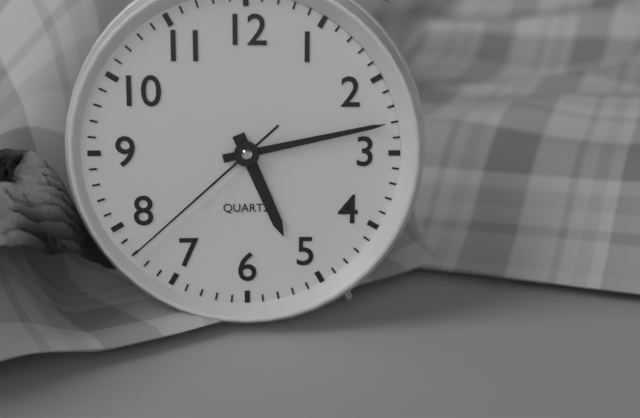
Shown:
**5:13:38**
